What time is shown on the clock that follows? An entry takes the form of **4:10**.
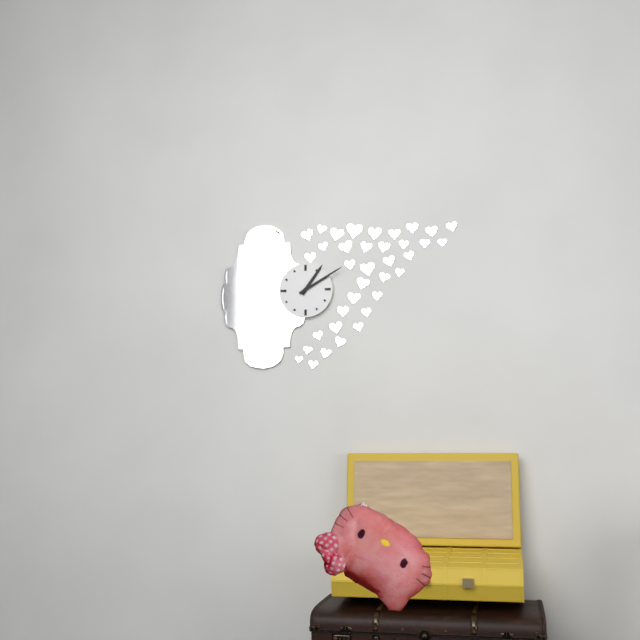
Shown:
**1:10**
